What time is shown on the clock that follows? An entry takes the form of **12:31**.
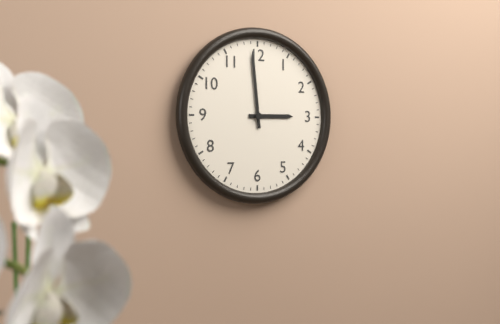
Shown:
**2:59**
